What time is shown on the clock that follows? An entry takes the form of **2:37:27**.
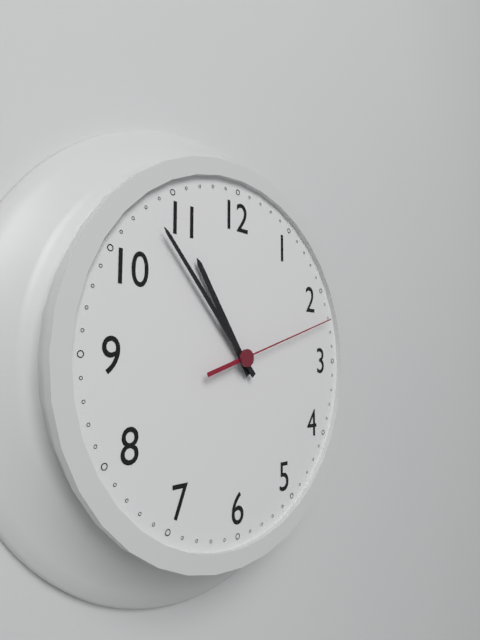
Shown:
**10:53:12**
